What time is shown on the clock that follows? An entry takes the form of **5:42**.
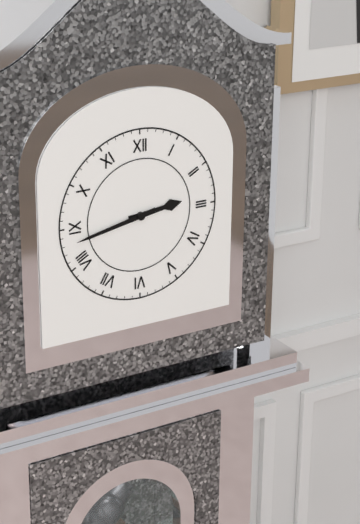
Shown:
**2:43**
